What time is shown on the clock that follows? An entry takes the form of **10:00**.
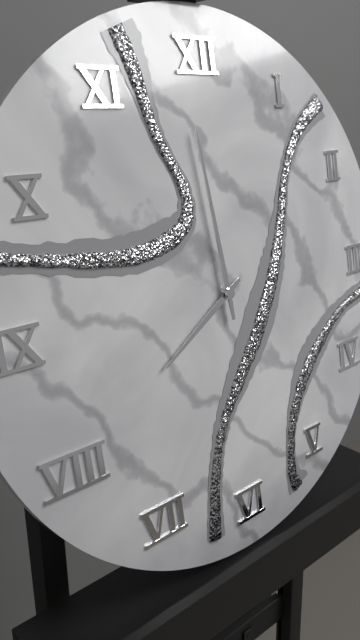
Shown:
**7:59**
